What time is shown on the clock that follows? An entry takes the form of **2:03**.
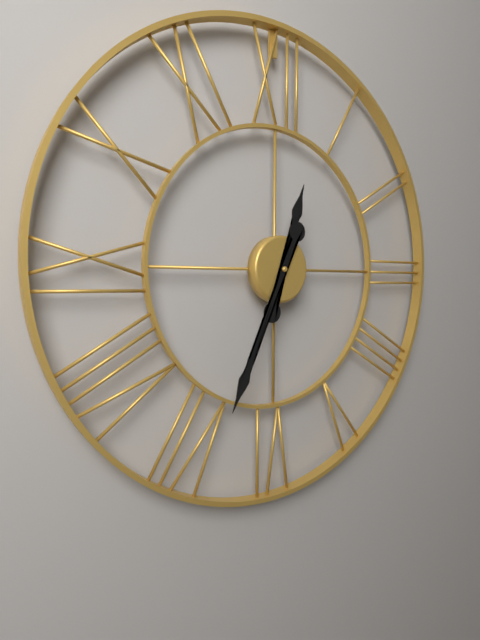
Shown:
**12:34**
